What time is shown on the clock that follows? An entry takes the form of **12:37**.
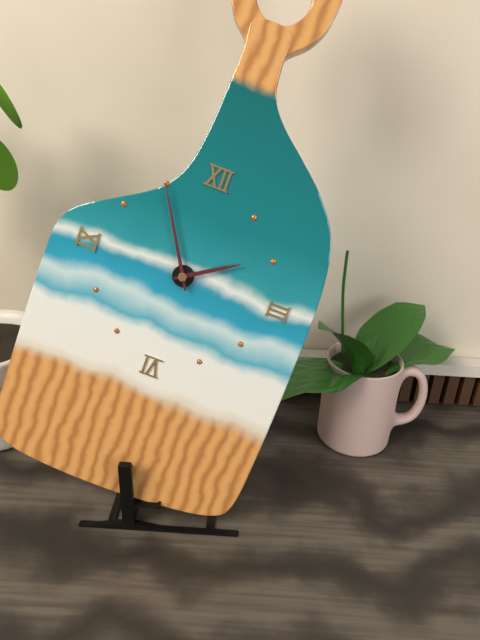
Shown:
**1:55**
